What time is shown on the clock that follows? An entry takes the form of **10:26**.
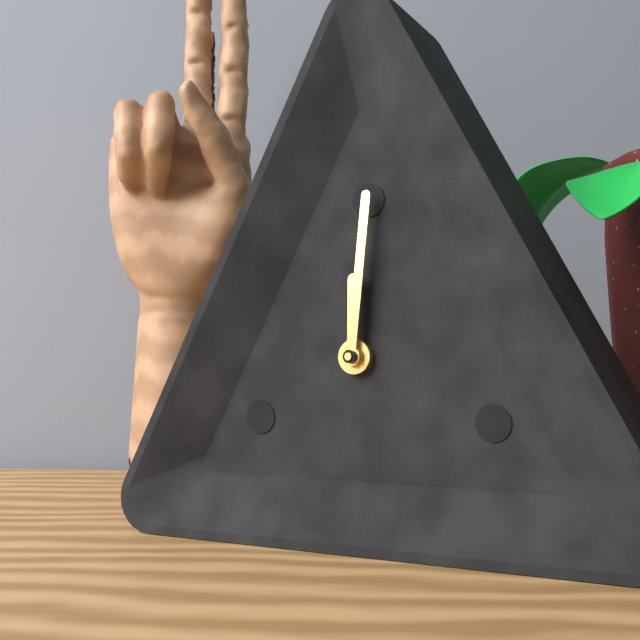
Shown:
**12:01**
